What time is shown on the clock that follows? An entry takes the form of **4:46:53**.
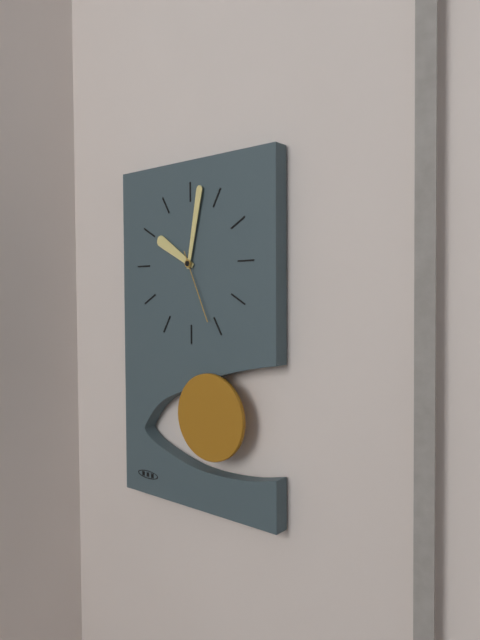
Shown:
**10:02:26**
